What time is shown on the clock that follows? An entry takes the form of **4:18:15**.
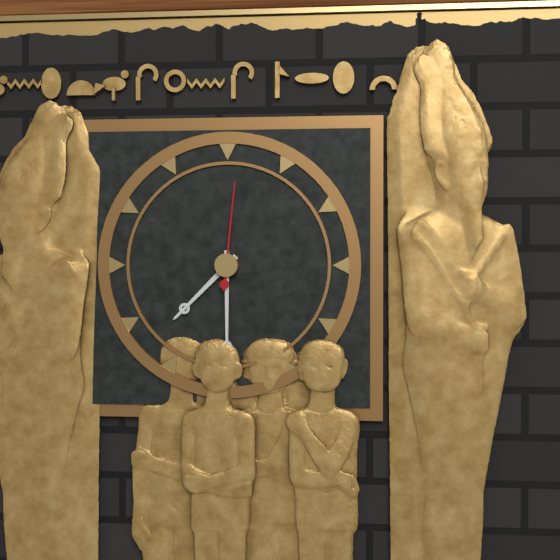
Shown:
**7:30:01**
